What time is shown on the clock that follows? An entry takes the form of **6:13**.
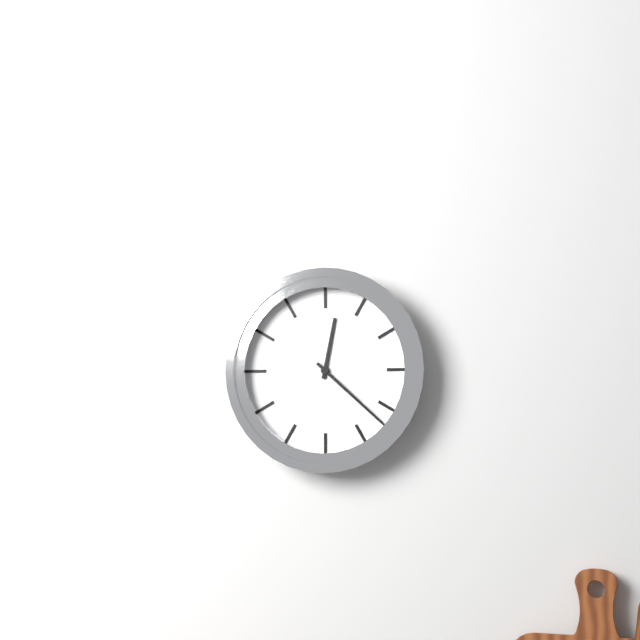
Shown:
**12:22**
